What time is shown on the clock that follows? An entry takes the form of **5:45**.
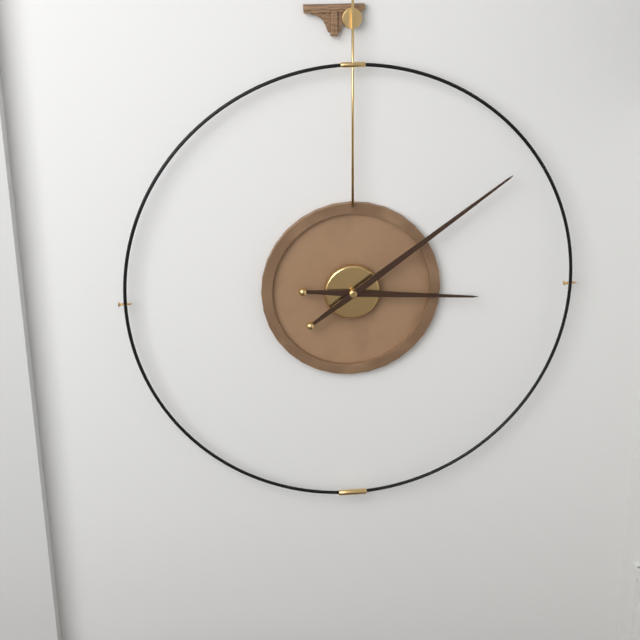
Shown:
**3:09**
